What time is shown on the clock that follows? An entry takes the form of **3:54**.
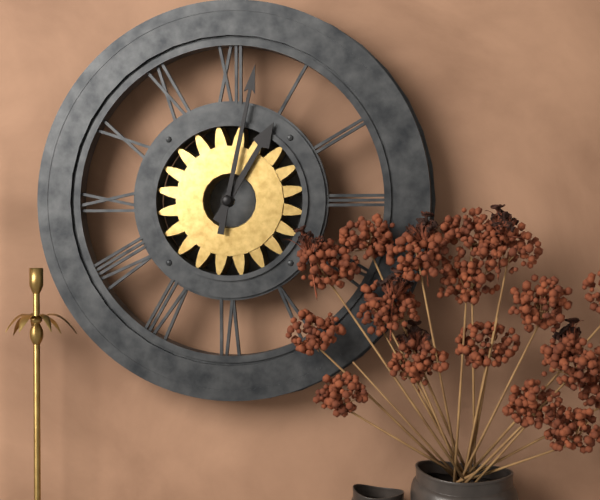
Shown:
**1:02**
